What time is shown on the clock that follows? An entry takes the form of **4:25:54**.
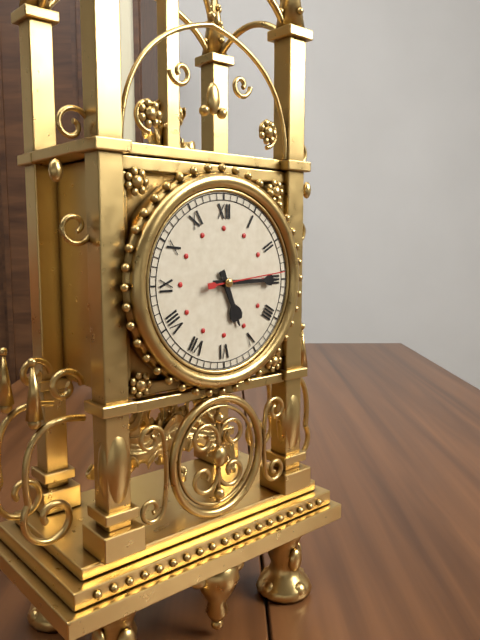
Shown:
**5:15:14**
